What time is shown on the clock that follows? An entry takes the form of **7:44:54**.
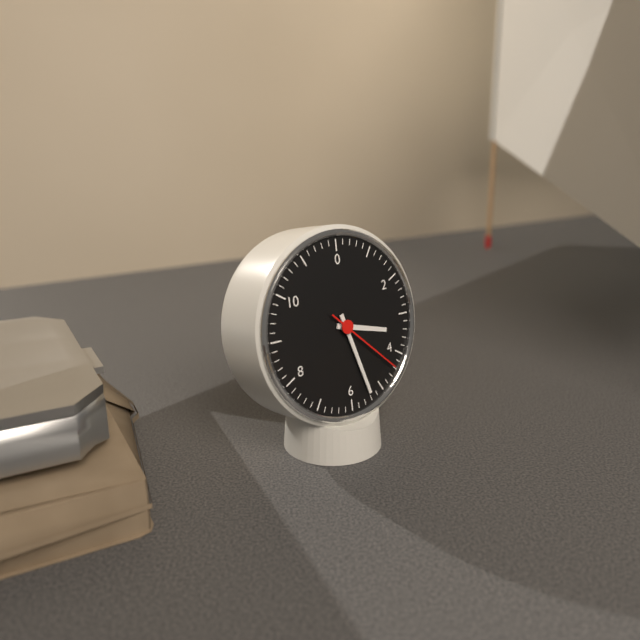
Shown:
**3:27:22**
